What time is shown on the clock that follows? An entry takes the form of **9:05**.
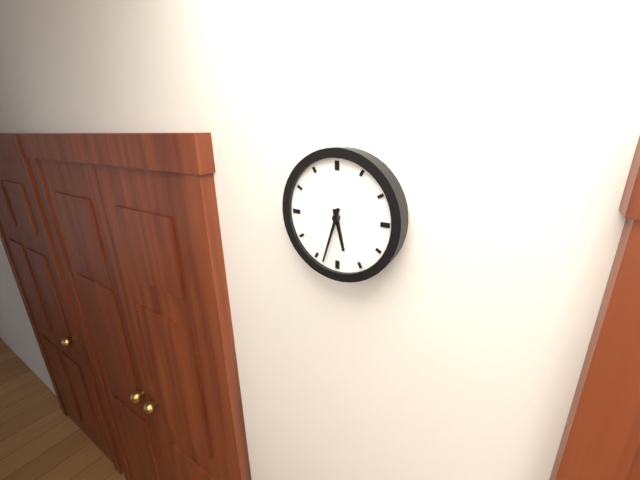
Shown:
**5:33**
